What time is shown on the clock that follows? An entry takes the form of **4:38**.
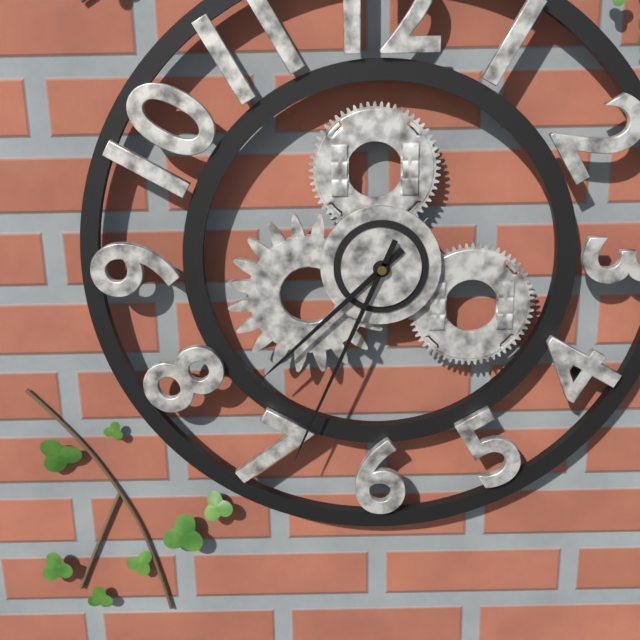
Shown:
**7:34**
